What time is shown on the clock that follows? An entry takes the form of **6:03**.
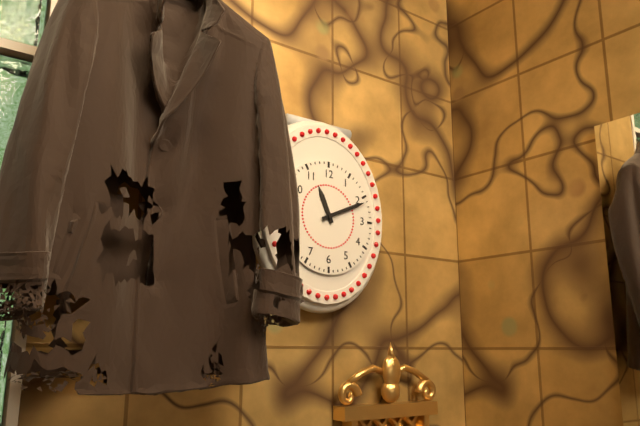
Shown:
**11:11**
